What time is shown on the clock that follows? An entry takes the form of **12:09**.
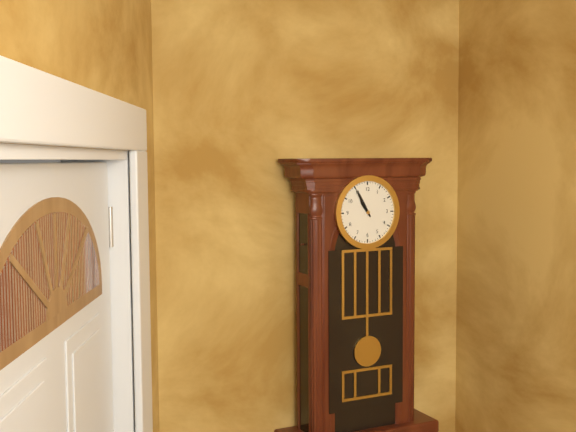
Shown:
**10:55**
